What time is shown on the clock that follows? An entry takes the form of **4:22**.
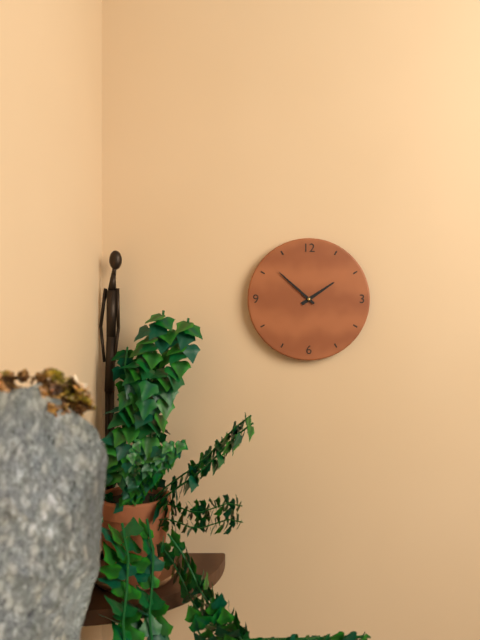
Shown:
**1:52**
